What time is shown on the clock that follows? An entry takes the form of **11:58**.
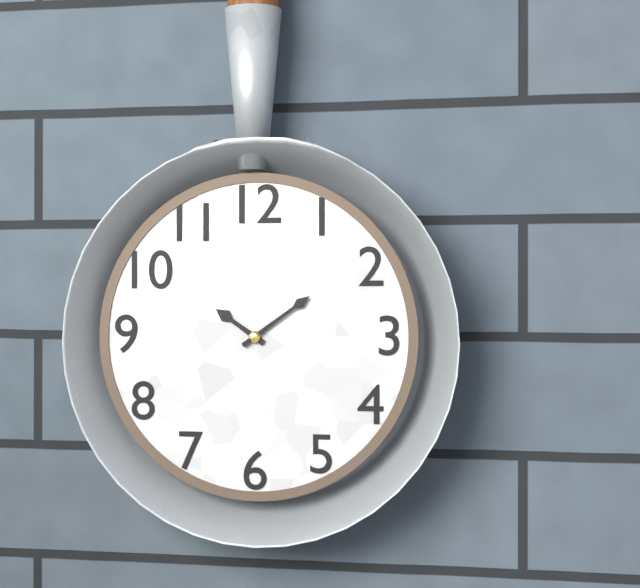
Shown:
**10:09**
